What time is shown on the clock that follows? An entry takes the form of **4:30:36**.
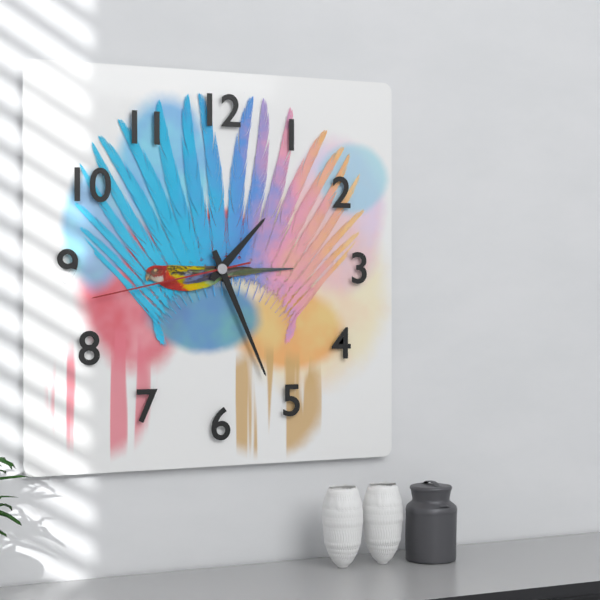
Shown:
**1:26:43**
